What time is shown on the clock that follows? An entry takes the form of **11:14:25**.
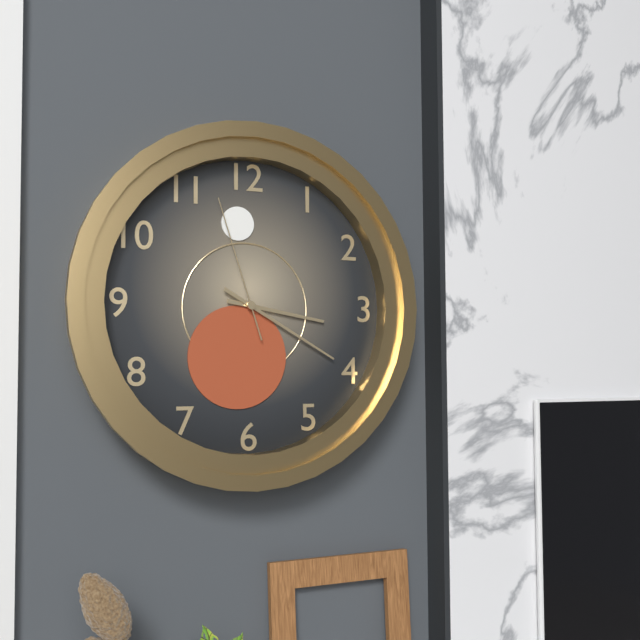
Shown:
**3:20:57**
